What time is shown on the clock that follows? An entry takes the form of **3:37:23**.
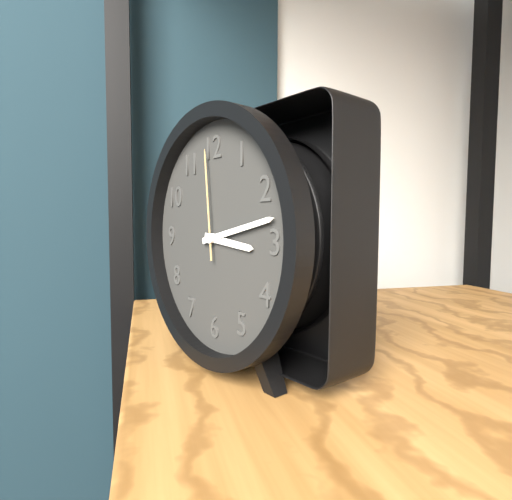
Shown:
**3:13:59**
